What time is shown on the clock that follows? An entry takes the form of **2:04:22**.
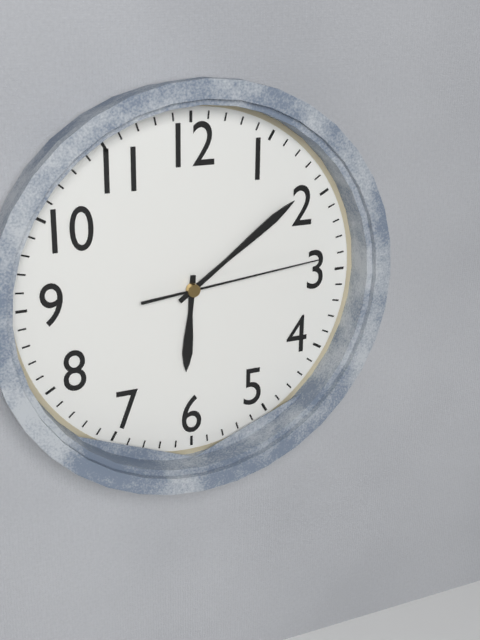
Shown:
**6:09:14**
